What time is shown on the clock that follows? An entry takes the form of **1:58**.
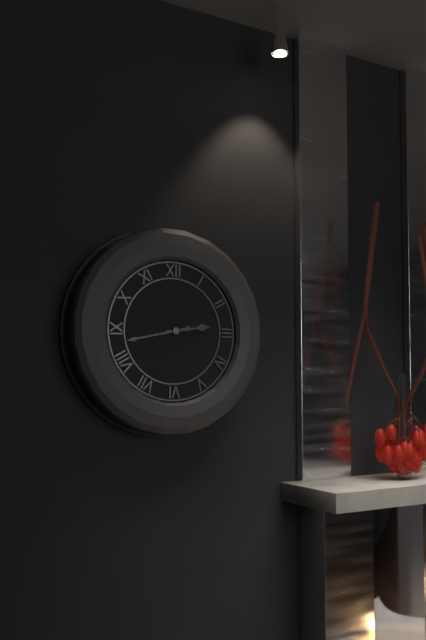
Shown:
**2:43**
